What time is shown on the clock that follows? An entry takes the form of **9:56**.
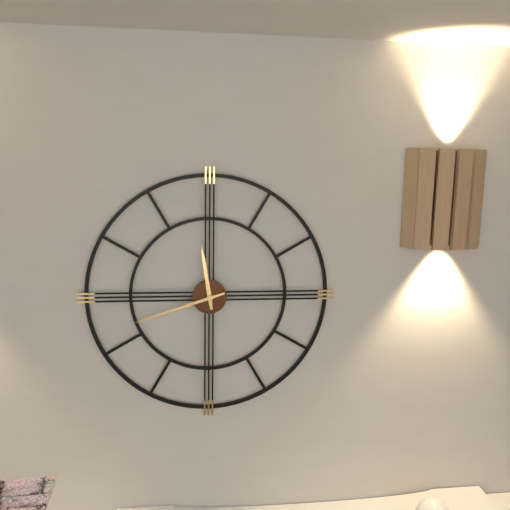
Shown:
**11:42**
